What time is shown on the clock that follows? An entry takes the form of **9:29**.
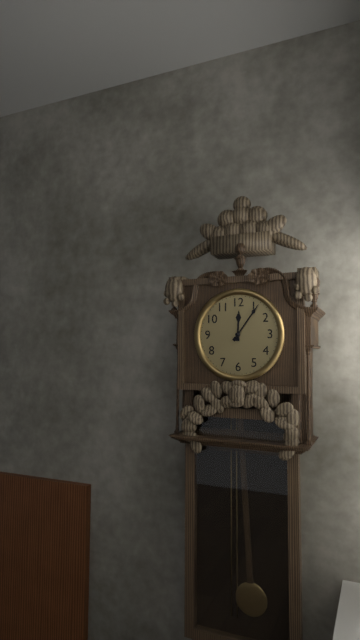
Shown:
**12:06**
